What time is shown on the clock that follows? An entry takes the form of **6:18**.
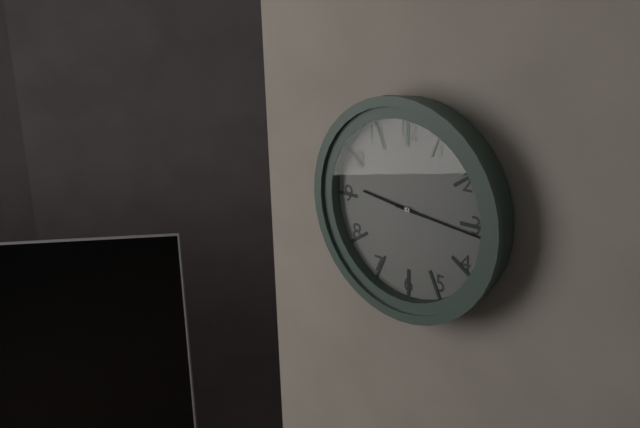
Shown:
**9:16**
